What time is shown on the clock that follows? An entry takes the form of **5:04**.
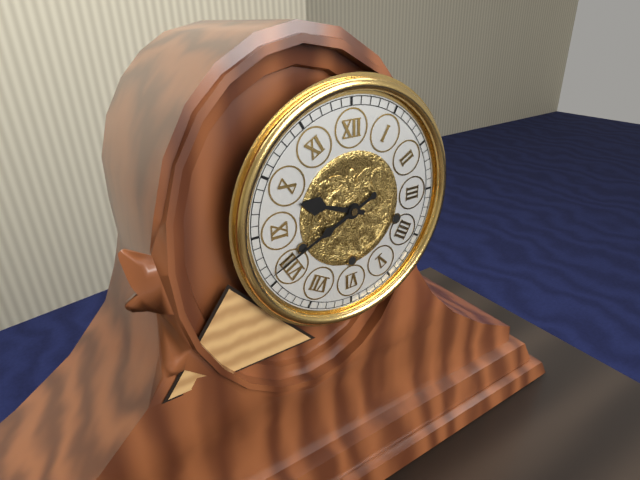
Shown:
**9:41**
